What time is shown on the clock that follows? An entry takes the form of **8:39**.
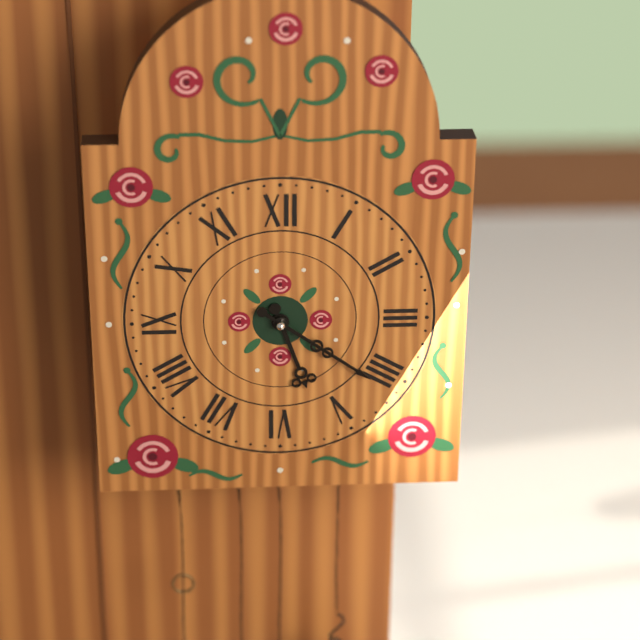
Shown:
**5:21**
